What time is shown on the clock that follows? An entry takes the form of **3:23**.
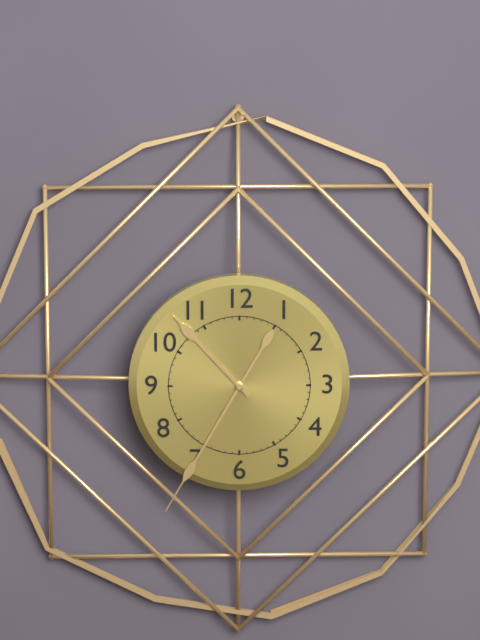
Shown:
**10:35**
